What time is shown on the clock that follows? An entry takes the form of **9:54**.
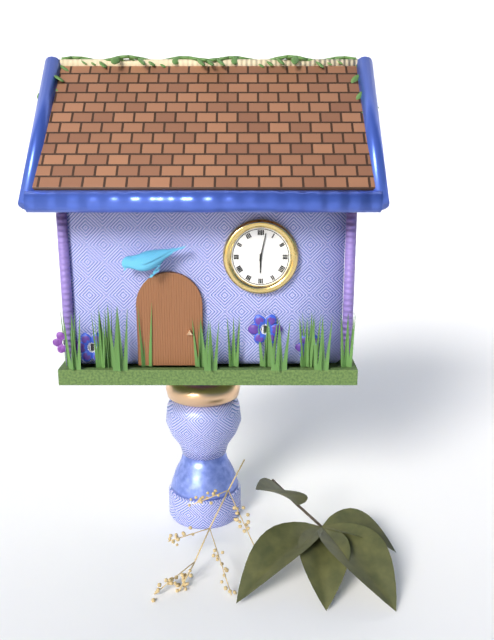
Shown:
**6:02**
